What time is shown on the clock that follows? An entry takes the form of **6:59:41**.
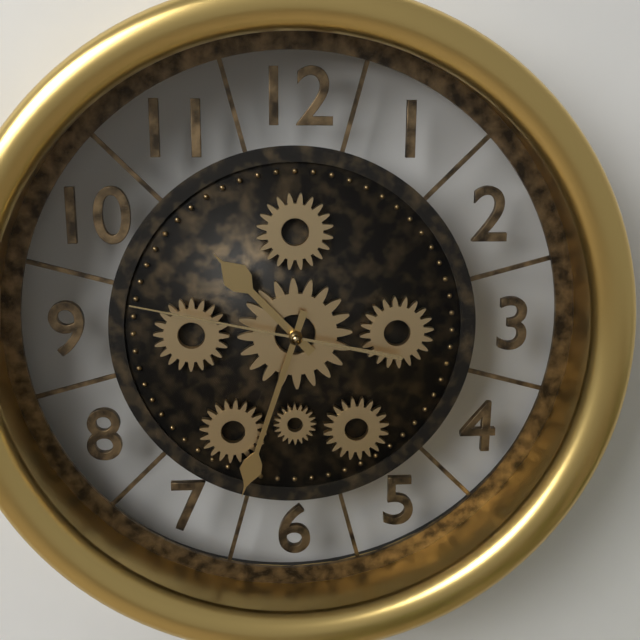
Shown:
**10:33:47**
